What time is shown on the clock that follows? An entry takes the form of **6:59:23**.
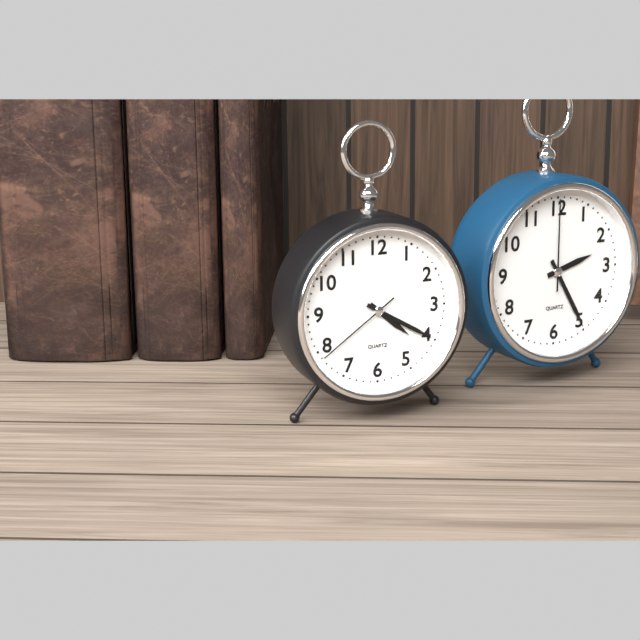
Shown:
**4:20:39**
